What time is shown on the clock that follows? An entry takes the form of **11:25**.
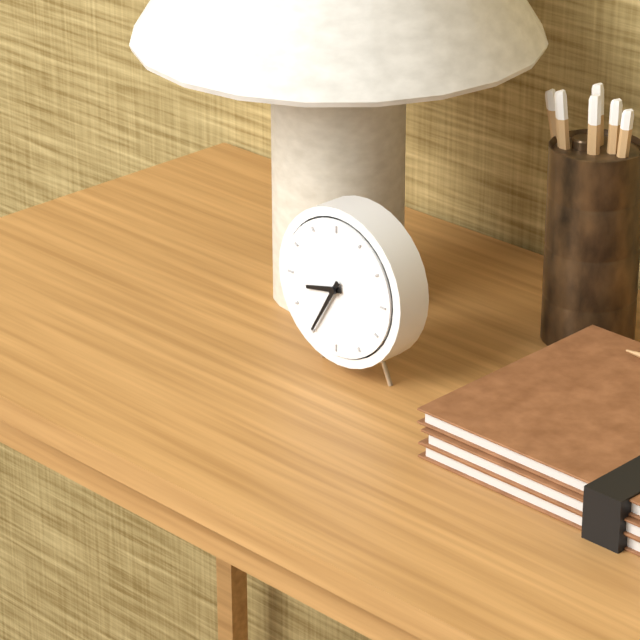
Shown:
**8:35**
